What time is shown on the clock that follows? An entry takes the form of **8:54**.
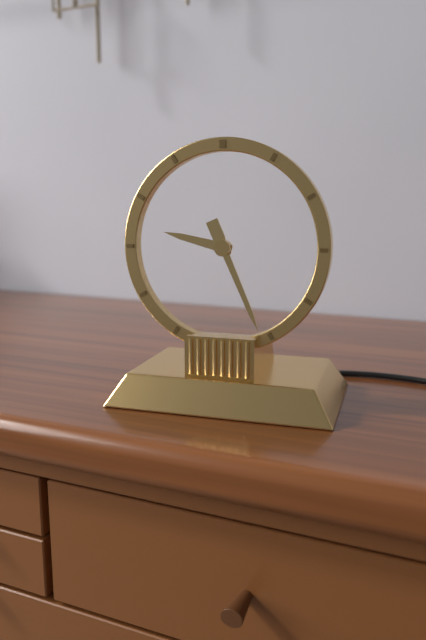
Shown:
**9:26**
